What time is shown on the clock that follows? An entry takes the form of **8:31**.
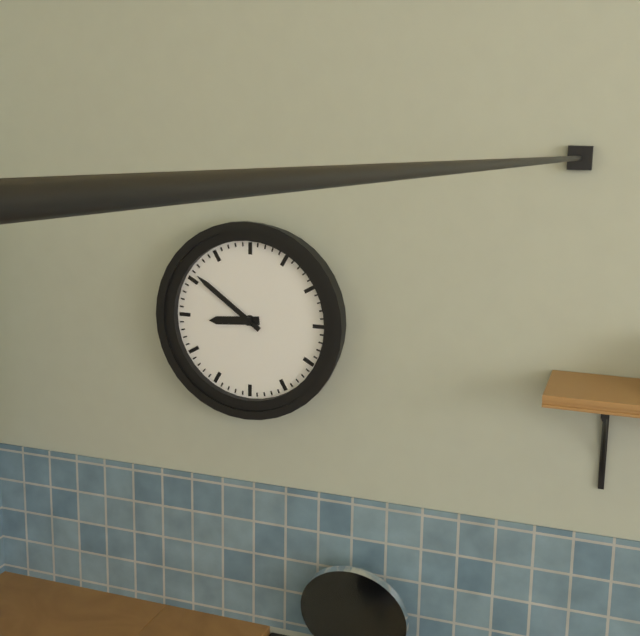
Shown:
**8:51**
